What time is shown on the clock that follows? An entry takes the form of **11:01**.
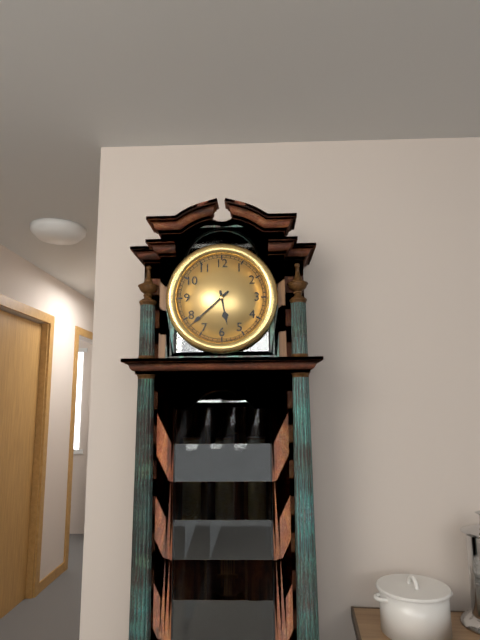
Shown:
**5:38**
